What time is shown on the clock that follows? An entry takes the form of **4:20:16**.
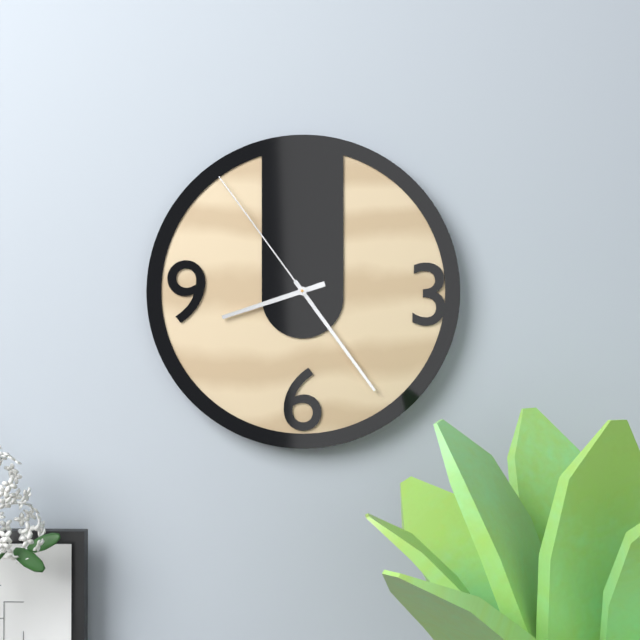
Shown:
**8:24:54**
